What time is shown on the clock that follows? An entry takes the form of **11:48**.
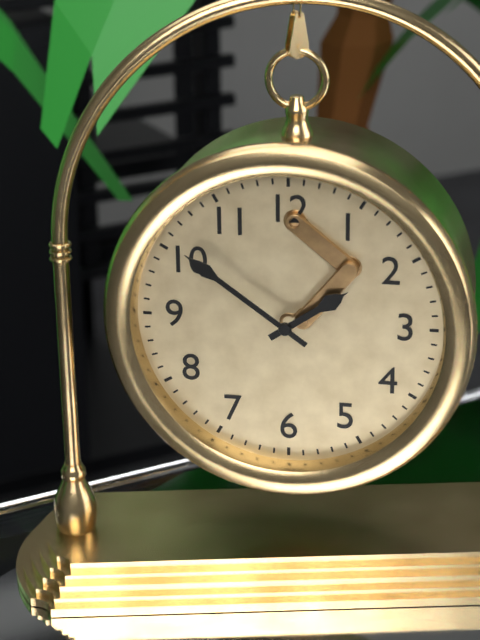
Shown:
**1:51**
